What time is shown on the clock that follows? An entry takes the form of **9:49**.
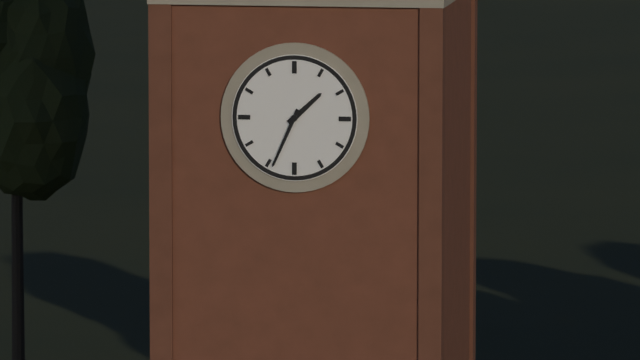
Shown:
**1:34**
